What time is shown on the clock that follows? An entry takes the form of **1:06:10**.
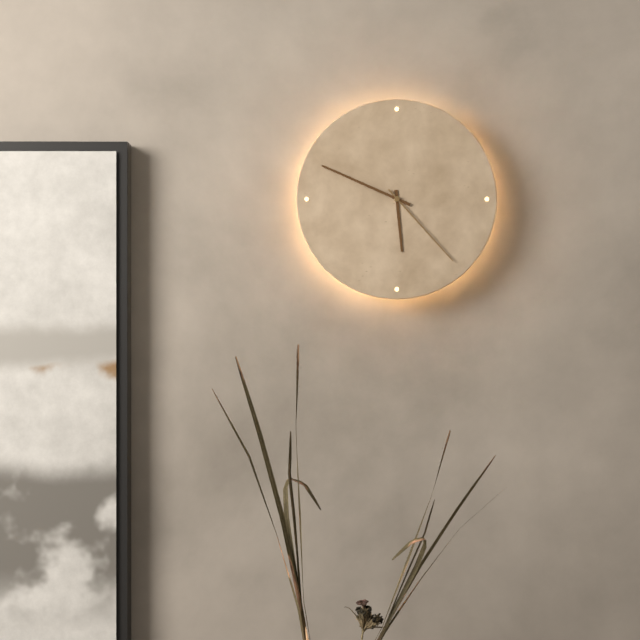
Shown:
**5:49:23**
